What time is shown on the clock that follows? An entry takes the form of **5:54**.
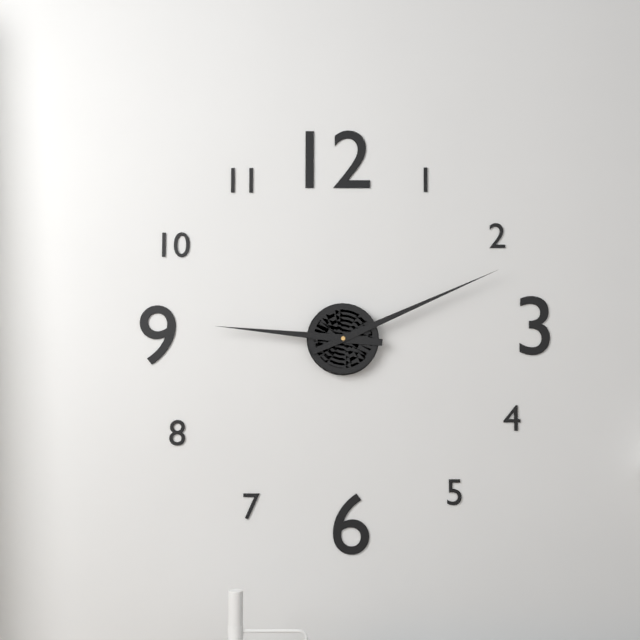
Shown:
**9:11**
